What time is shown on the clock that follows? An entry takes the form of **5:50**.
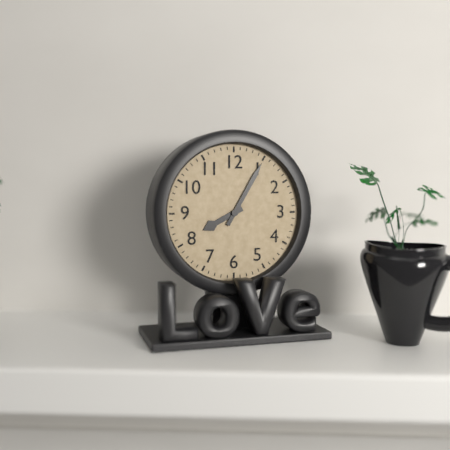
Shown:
**8:05**
